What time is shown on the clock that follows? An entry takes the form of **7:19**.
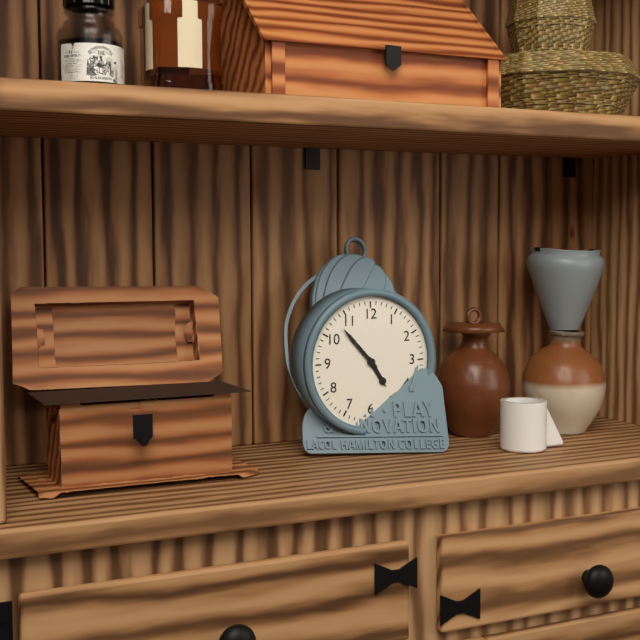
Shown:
**4:53**
